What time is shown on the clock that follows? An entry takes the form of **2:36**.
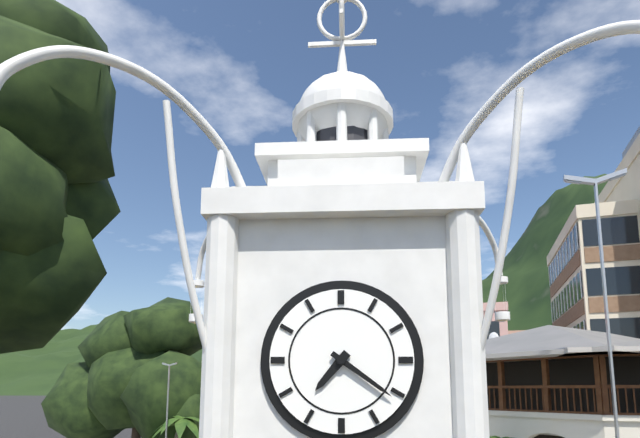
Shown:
**7:21**
